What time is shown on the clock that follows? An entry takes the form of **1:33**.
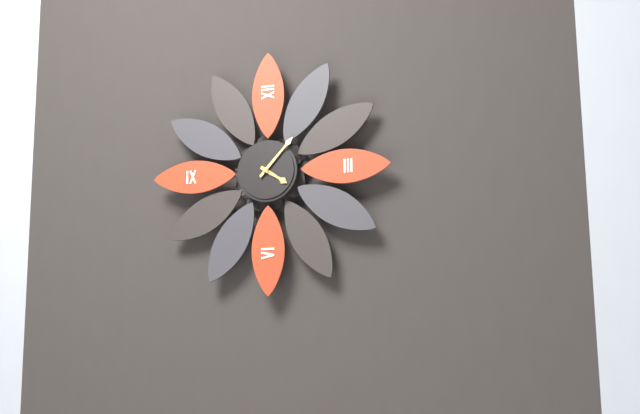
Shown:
**4:07**
